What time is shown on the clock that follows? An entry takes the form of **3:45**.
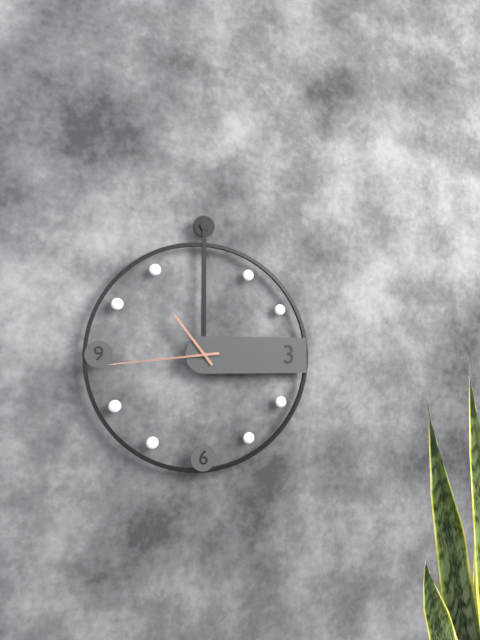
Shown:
**10:44**
